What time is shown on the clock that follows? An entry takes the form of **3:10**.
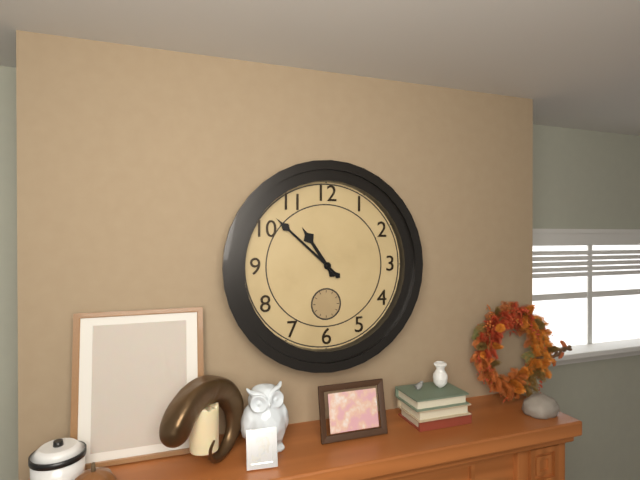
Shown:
**10:52**
